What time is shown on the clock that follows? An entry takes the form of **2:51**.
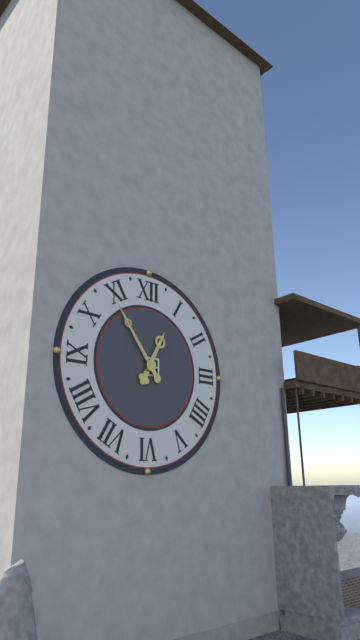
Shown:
**12:54**
